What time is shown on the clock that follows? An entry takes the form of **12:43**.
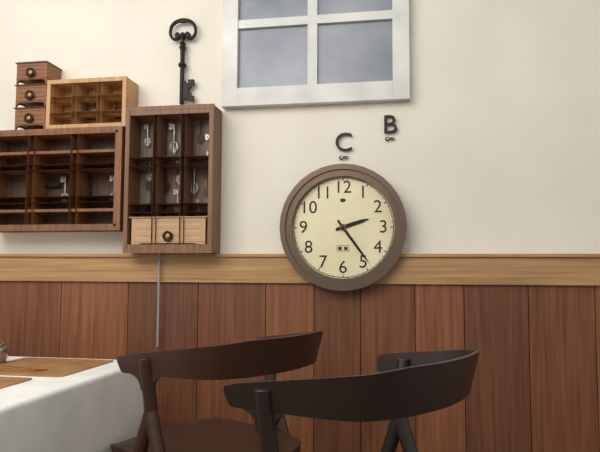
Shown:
**2:24**
